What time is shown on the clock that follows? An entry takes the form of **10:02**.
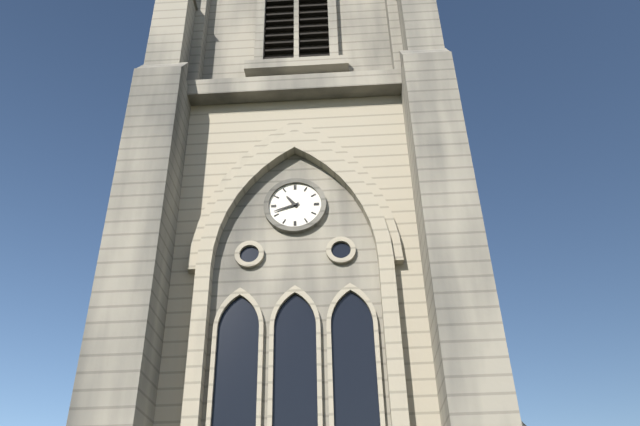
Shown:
**10:42**
